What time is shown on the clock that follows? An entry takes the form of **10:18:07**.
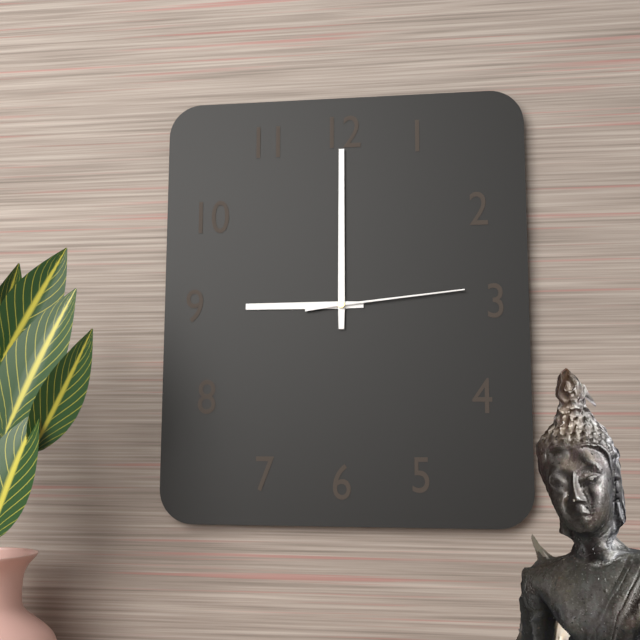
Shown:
**9:00:14**
